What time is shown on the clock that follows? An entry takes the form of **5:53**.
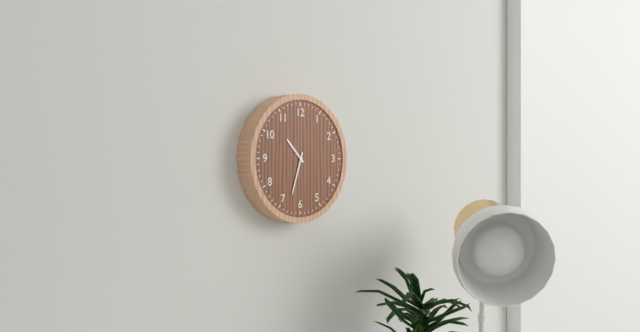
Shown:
**10:33**
